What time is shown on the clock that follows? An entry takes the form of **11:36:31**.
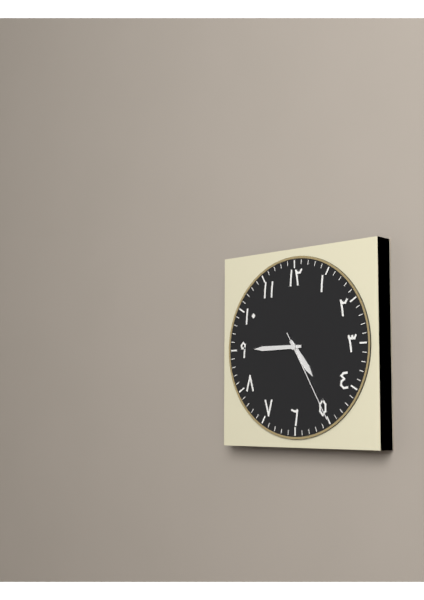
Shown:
**4:45:25**
